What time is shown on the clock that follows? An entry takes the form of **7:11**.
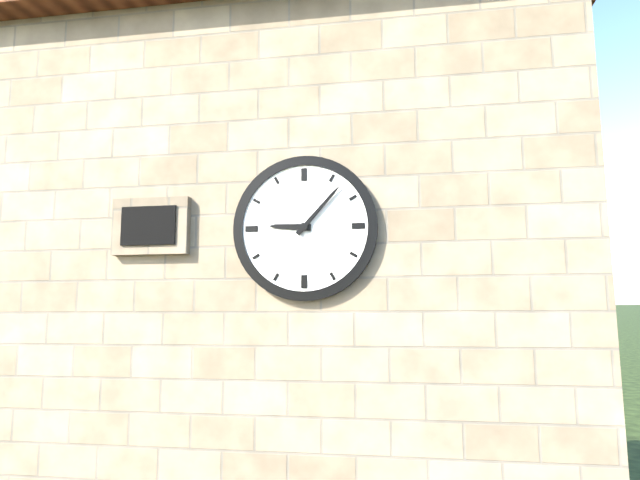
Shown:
**9:07**
